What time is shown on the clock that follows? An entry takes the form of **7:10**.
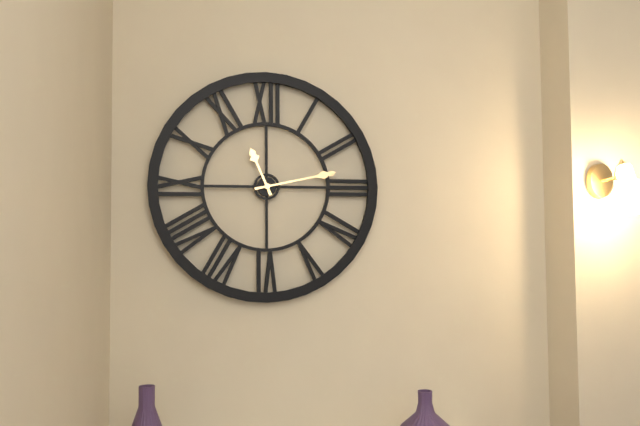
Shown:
**11:13**
